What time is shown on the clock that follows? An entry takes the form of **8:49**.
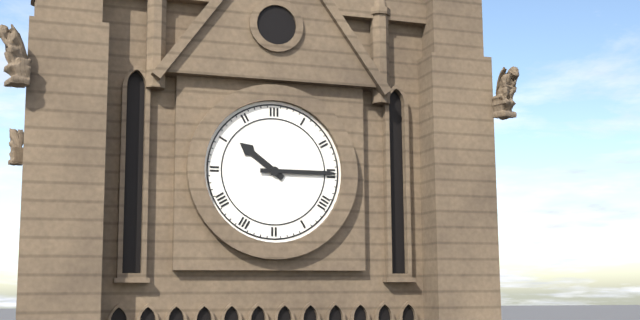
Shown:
**10:15**
